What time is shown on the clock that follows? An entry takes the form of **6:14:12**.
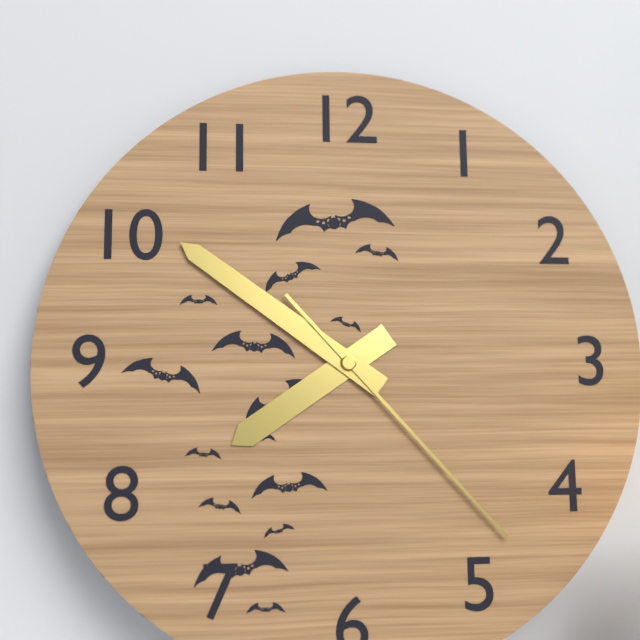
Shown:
**7:51:23**
